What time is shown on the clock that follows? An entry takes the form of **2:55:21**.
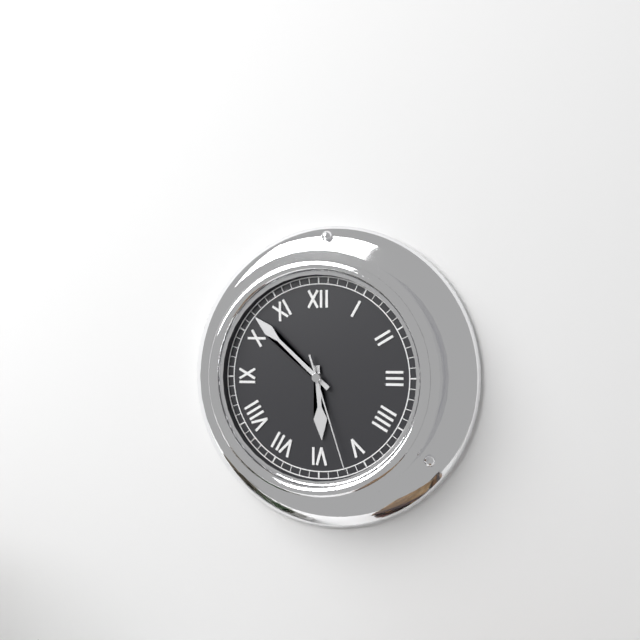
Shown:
**5:52:27**
